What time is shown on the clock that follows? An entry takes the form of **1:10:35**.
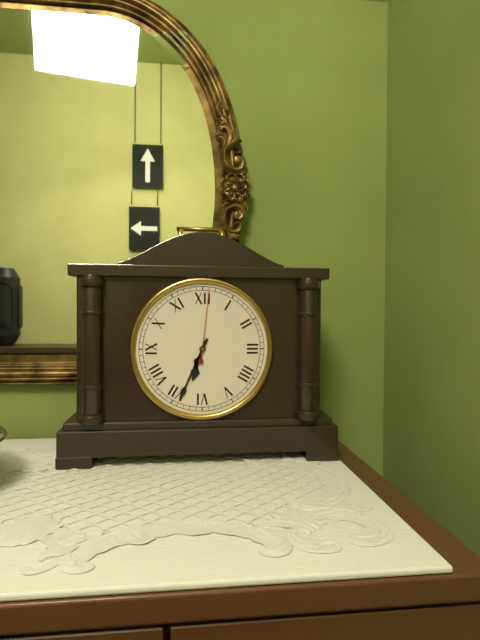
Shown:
**6:34:01**
